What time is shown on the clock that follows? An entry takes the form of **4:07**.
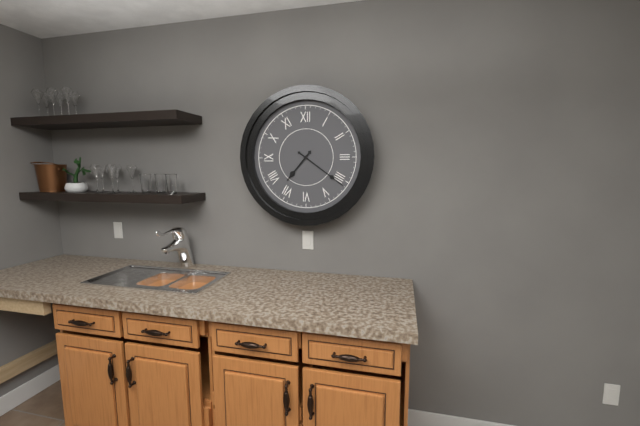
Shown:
**7:21**
